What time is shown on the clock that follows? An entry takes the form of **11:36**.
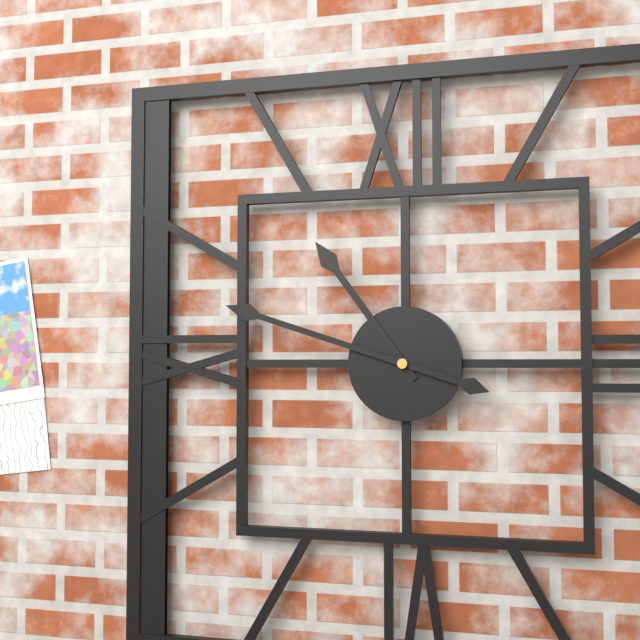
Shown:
**10:48**
